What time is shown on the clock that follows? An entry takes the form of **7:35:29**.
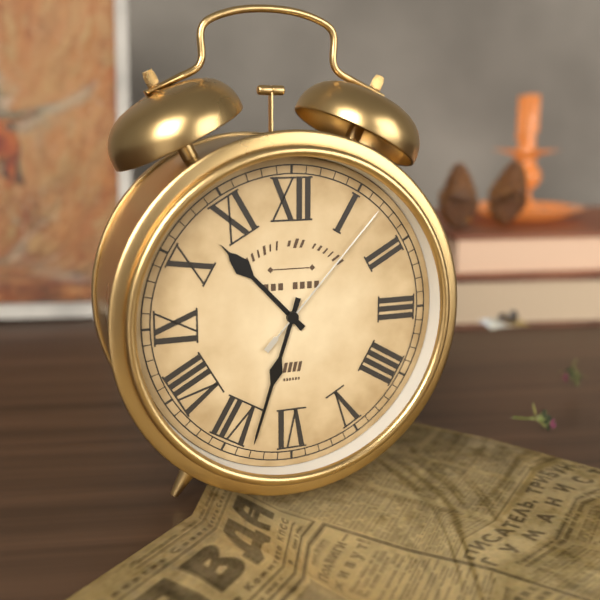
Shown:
**10:33:07**
